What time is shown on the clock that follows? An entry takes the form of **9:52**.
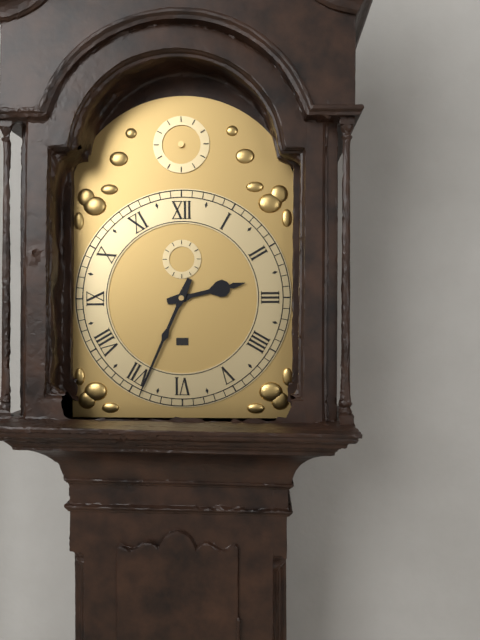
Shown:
**2:34**
